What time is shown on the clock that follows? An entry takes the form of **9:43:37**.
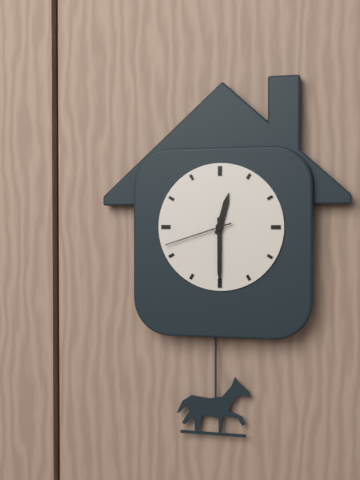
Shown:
**12:30:42**
